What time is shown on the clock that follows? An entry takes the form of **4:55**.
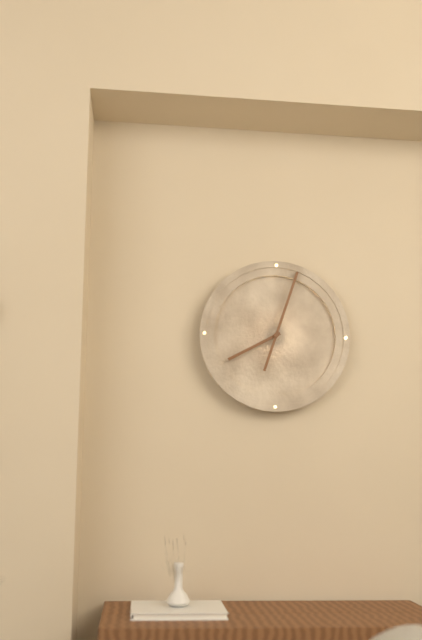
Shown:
**8:03**
